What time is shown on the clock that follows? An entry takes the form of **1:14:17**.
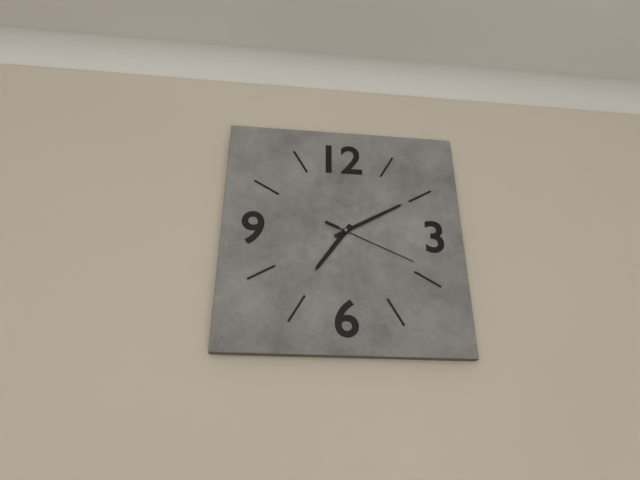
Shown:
**7:10:19**
